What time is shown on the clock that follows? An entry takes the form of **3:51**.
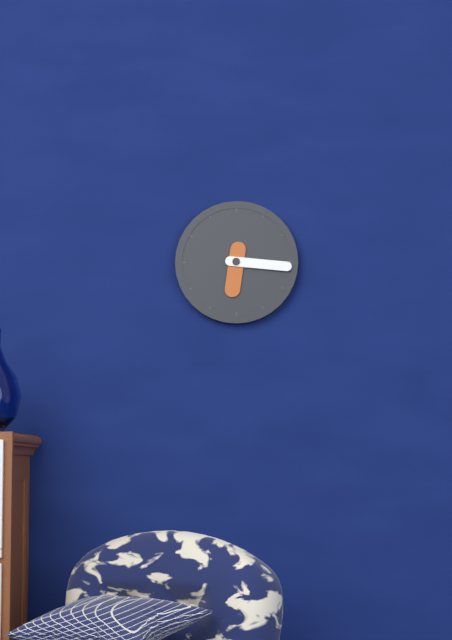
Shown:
**6:16**
